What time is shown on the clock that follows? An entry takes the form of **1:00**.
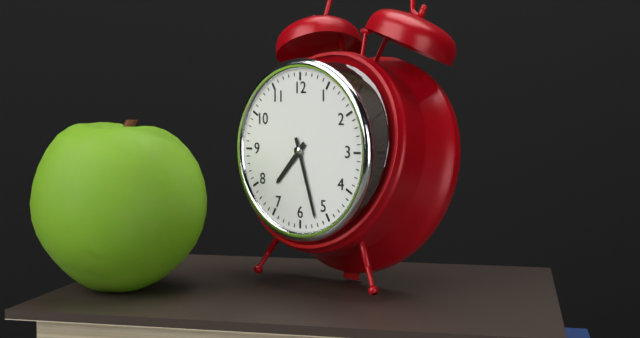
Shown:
**7:27**
